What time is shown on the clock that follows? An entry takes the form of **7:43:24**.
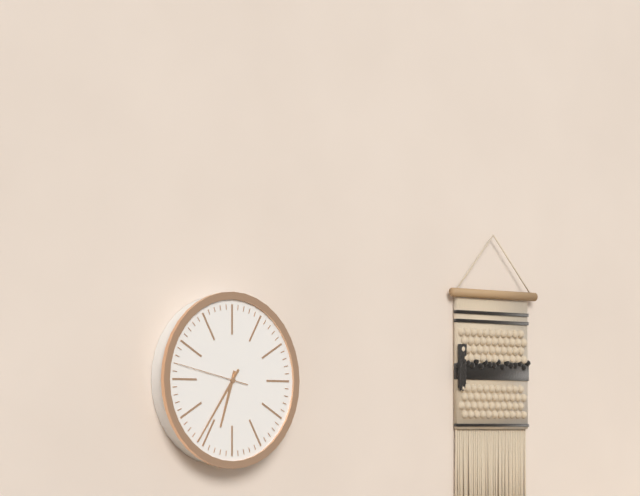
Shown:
**6:36:47**
